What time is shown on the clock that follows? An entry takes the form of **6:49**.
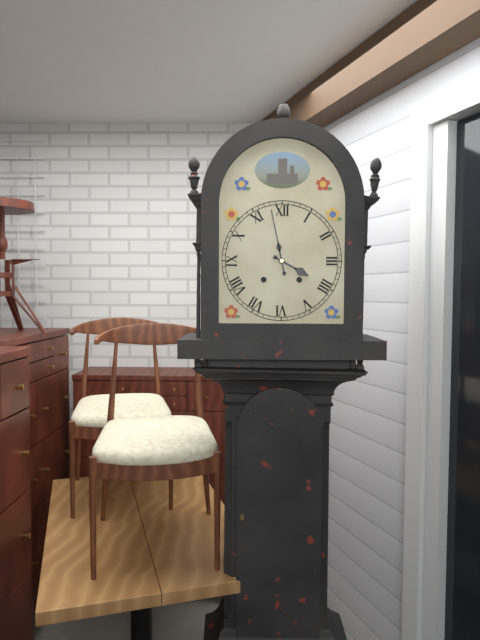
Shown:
**3:58**
